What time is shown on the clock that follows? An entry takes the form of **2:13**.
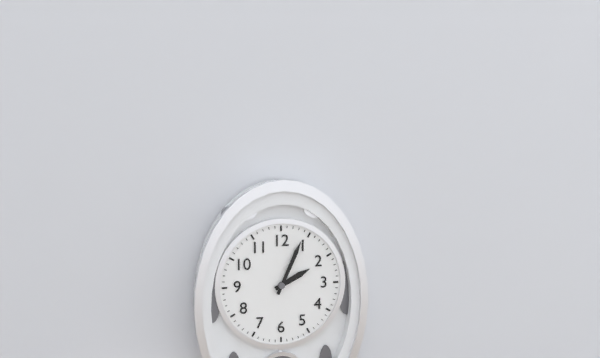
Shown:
**2:04**
